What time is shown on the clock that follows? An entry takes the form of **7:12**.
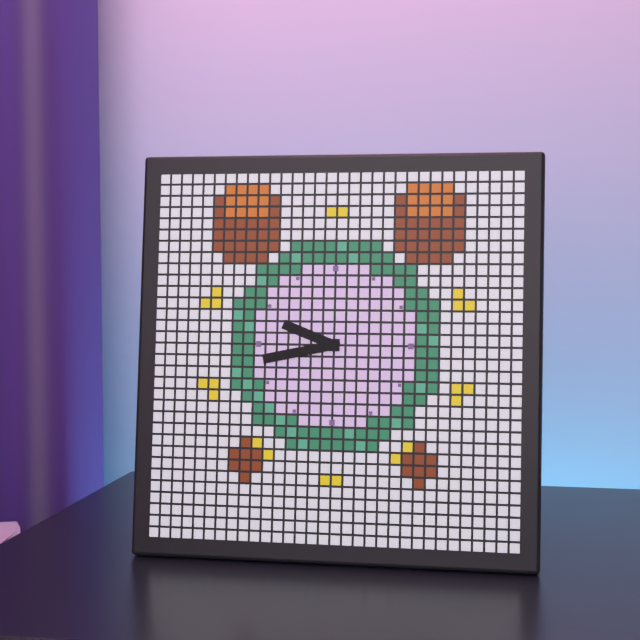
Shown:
**9:43**
